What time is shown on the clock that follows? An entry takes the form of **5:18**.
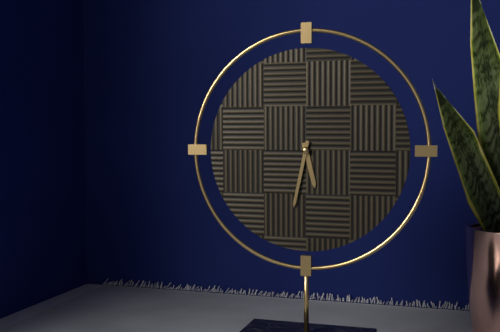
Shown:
**5:32**
